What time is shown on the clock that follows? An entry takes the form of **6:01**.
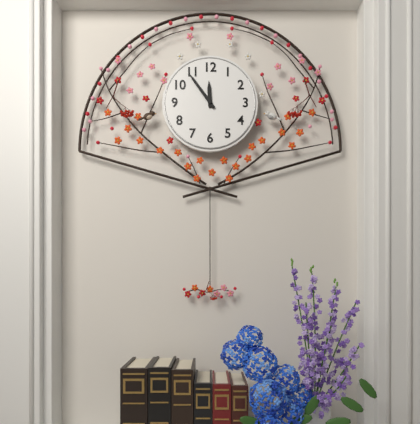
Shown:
**11:54**
